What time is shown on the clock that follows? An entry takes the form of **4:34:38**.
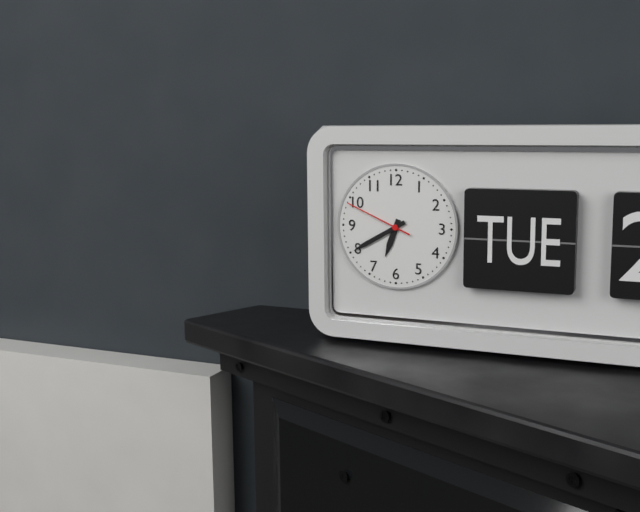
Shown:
**6:40:49**
